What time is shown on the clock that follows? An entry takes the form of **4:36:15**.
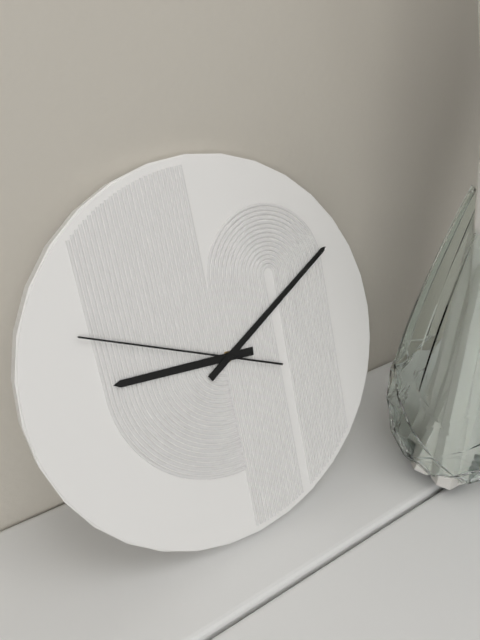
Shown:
**9:10:49**
